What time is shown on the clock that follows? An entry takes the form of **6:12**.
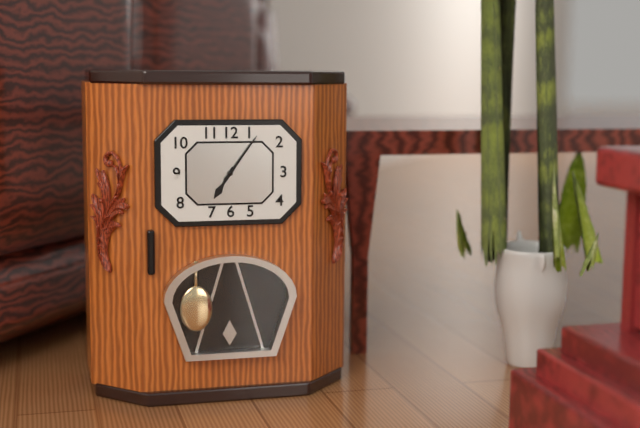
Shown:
**7:06**
